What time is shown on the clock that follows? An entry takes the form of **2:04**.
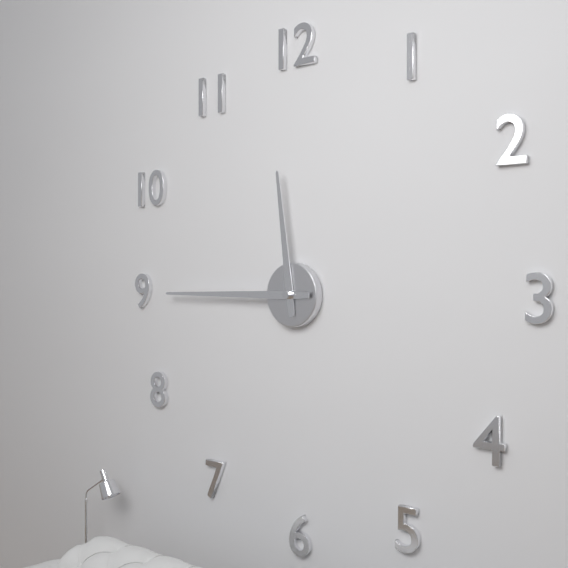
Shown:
**11:45**
